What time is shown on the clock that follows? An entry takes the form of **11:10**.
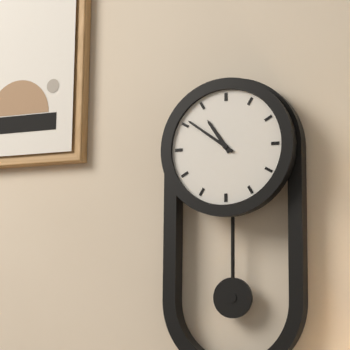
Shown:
**10:51**
